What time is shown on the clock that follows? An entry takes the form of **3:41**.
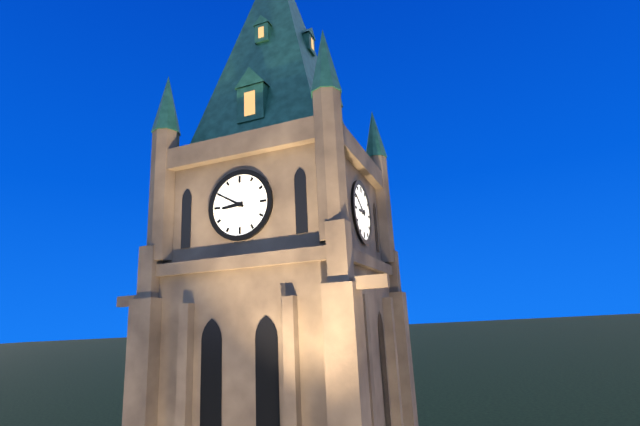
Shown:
**8:50**
